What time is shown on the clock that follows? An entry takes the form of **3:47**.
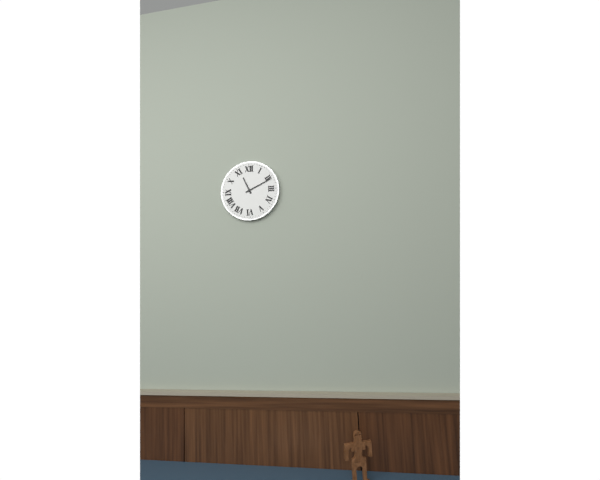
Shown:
**11:11**
